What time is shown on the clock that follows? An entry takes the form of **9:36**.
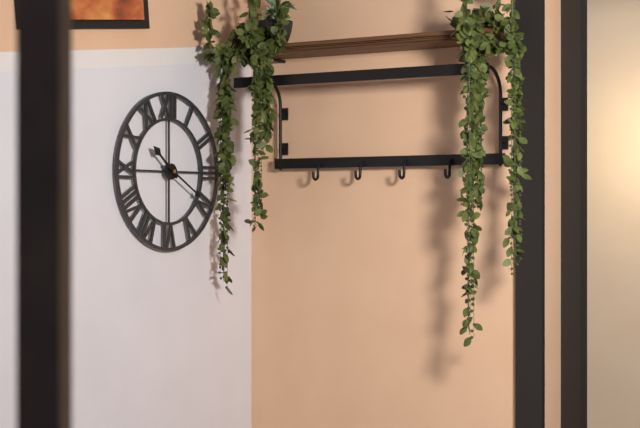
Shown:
**10:20**
